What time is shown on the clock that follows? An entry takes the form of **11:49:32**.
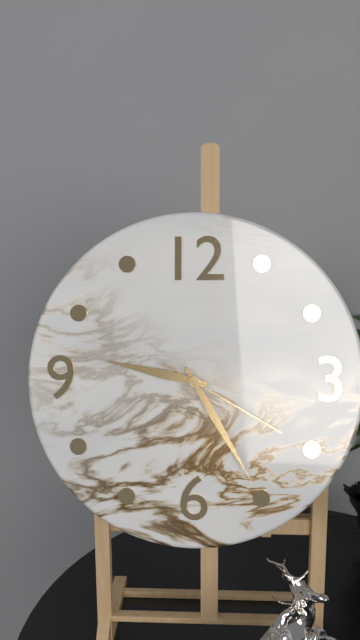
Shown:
**9:25:20**
